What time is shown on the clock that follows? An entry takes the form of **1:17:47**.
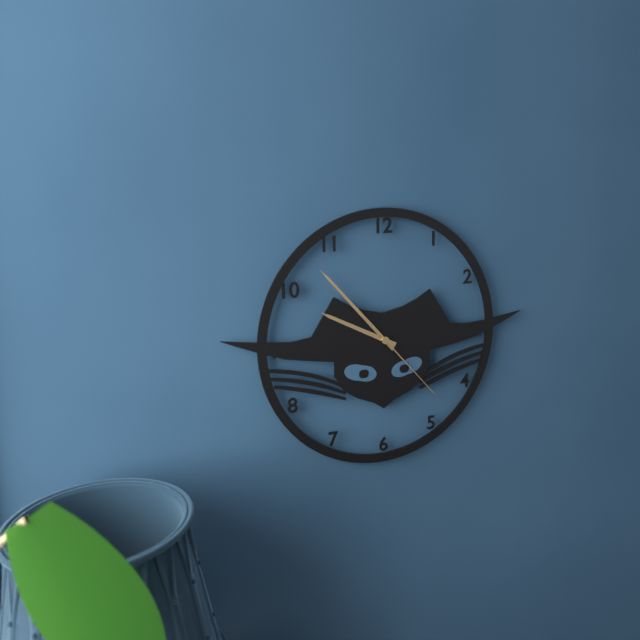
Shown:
**9:53:23**
